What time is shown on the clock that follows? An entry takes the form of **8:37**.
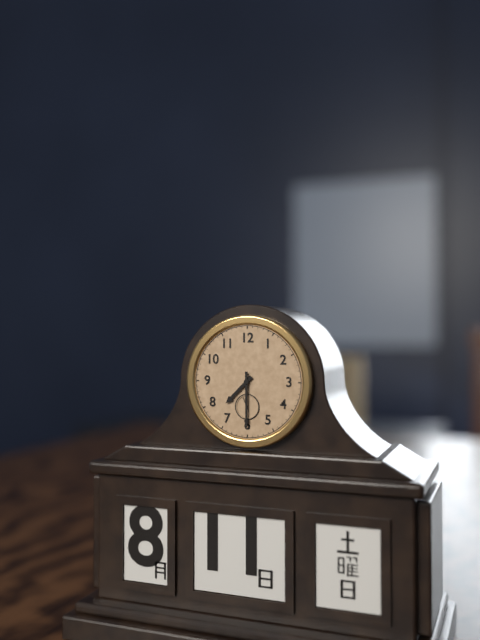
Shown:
**7:30**
